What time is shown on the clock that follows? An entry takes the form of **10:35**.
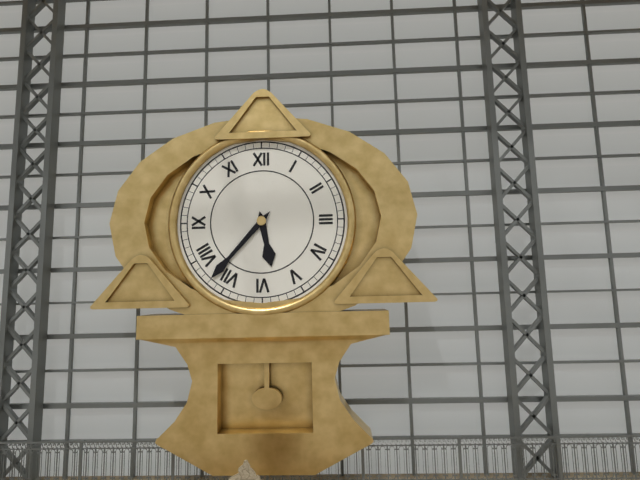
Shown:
**5:37**
